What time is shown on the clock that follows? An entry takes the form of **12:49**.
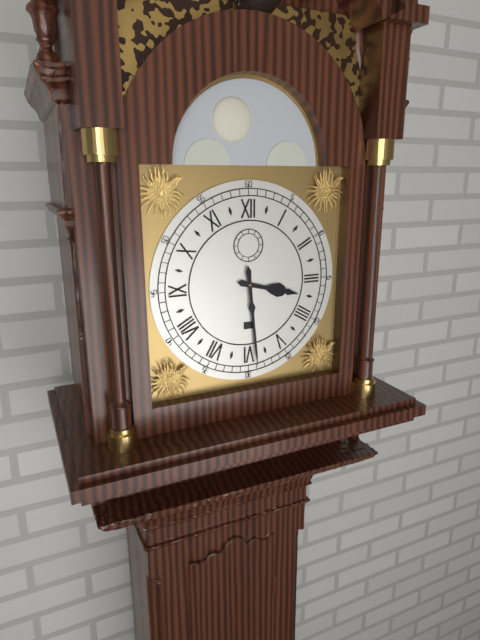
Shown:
**3:29**
